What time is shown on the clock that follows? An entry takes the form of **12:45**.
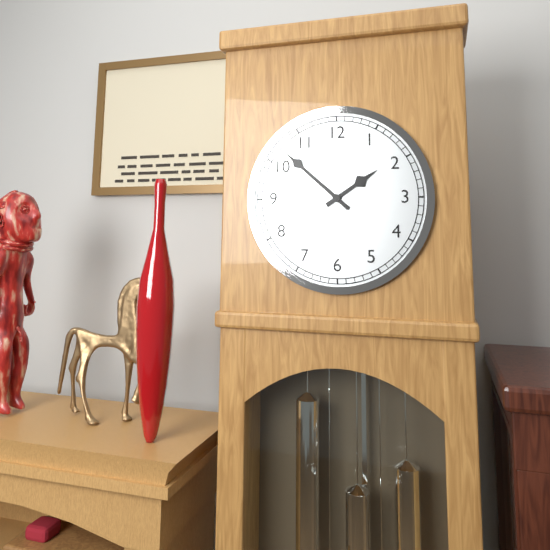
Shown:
**1:52**
